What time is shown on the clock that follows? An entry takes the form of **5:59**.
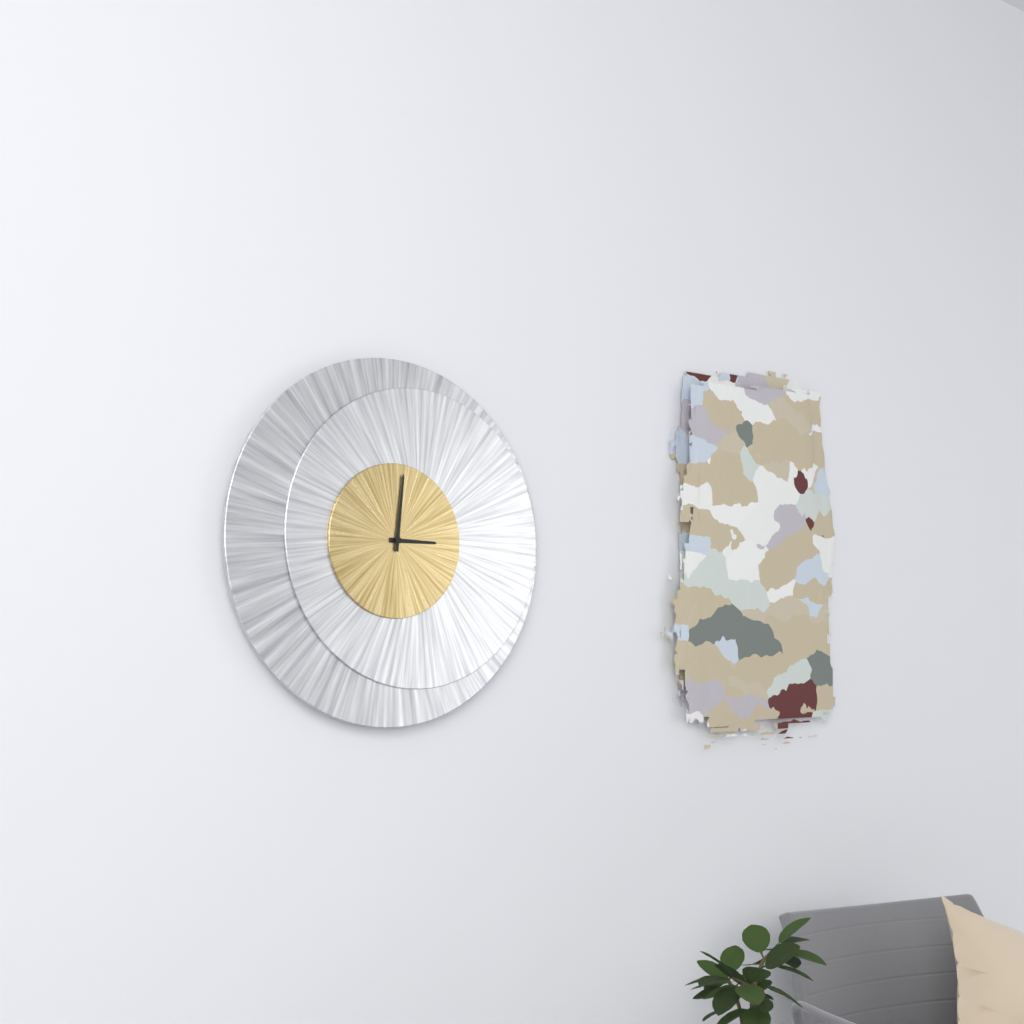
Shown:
**3:01**
